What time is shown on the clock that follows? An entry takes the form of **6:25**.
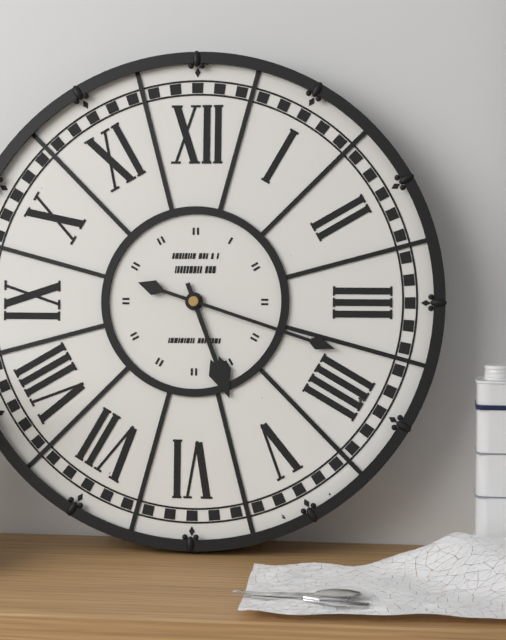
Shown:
**5:18**
